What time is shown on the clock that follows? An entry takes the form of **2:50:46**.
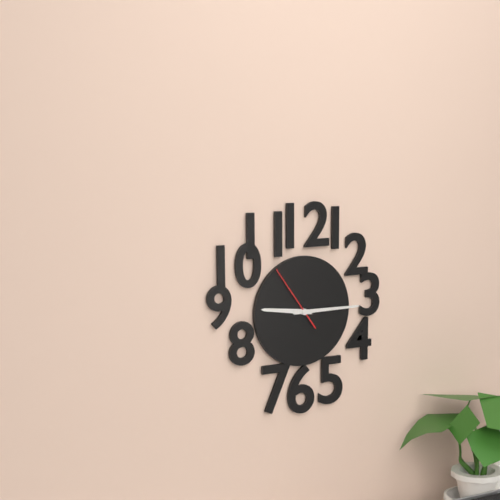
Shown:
**9:15:54**
